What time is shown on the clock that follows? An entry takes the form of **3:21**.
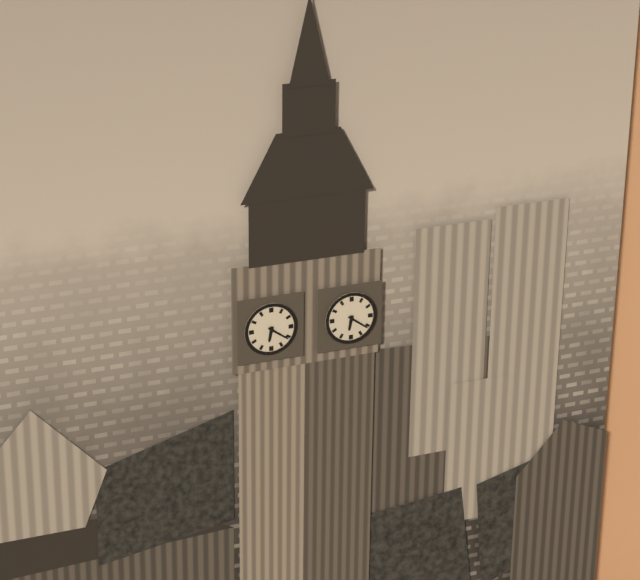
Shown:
**6:21**
